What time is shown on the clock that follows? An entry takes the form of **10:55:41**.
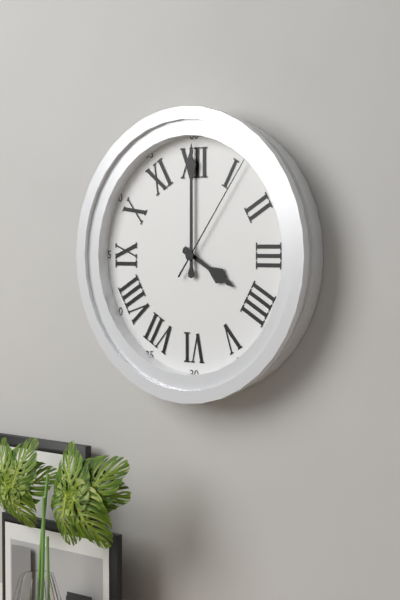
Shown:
**4:00:06**
